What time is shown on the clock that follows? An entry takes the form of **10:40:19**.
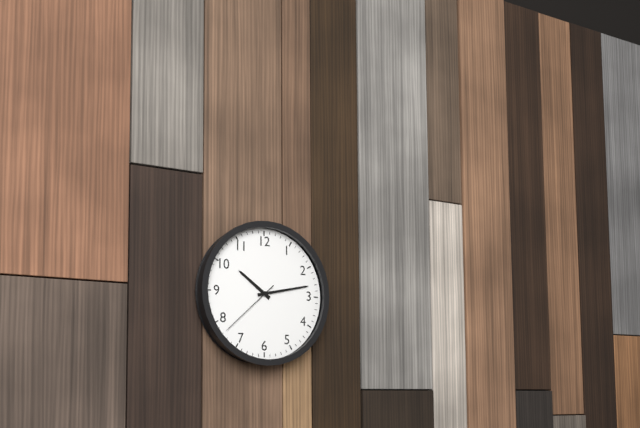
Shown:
**10:13:38**
